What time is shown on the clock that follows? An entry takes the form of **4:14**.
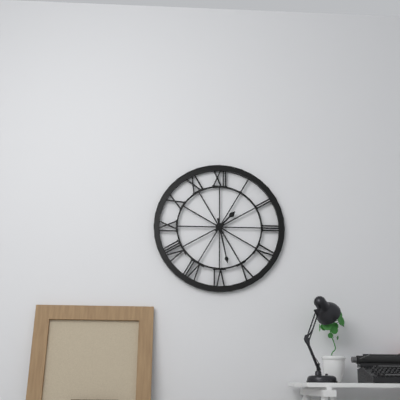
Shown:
**1:28**
